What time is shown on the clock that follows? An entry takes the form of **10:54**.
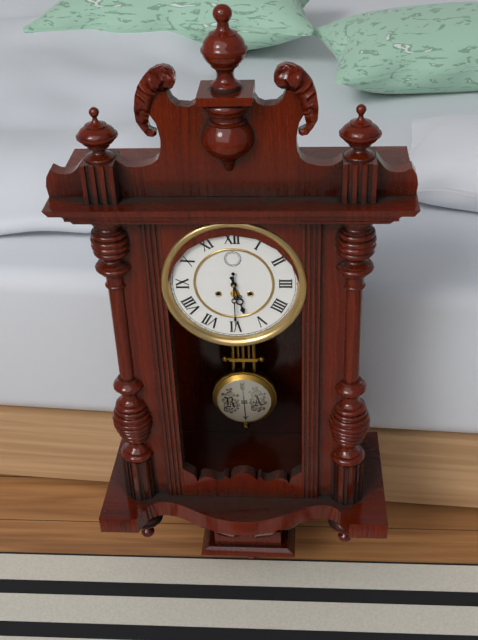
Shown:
**5:30**
